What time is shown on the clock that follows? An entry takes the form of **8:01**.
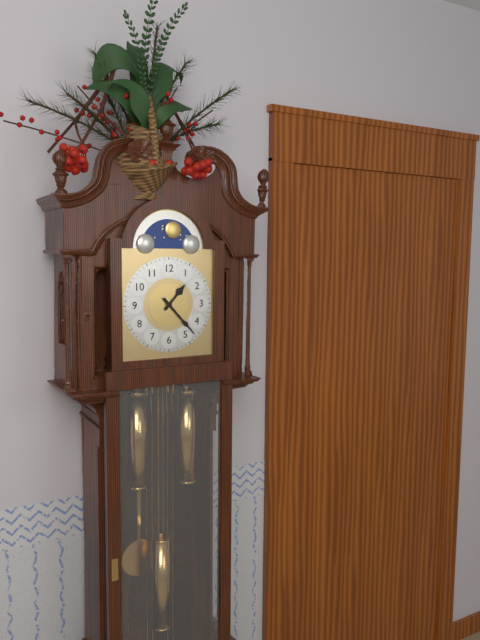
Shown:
**1:23**
